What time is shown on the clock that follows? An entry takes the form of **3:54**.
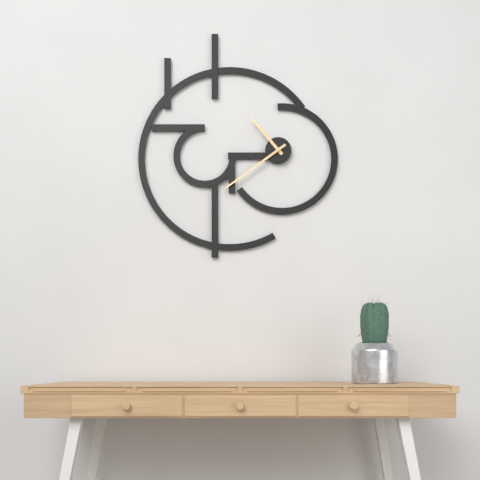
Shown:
**10:39**
